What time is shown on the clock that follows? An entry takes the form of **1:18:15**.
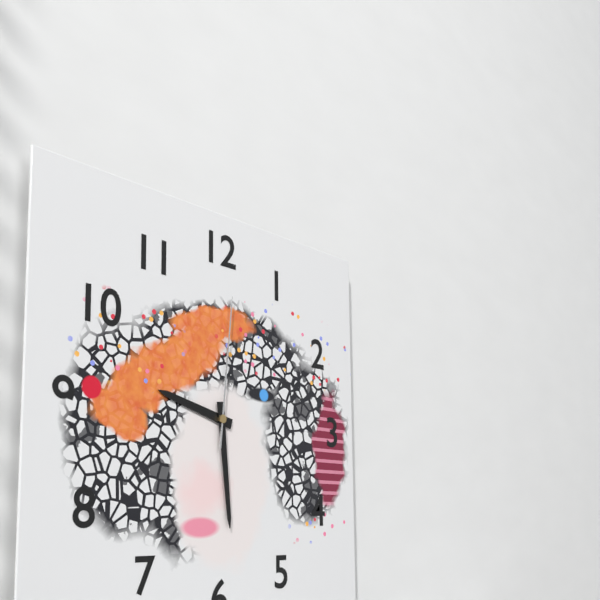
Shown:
**9:29:01**
